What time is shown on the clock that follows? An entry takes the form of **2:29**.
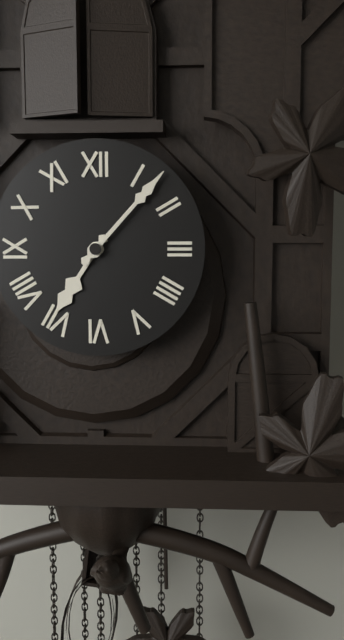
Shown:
**7:07**
